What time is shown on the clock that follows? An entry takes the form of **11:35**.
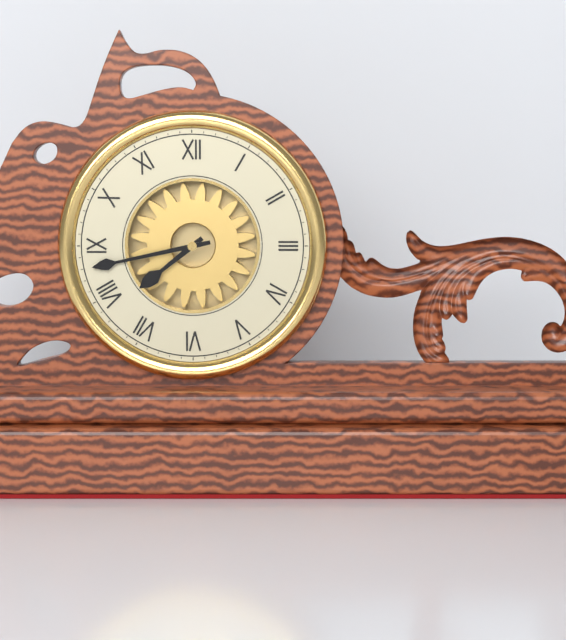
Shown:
**7:43**
